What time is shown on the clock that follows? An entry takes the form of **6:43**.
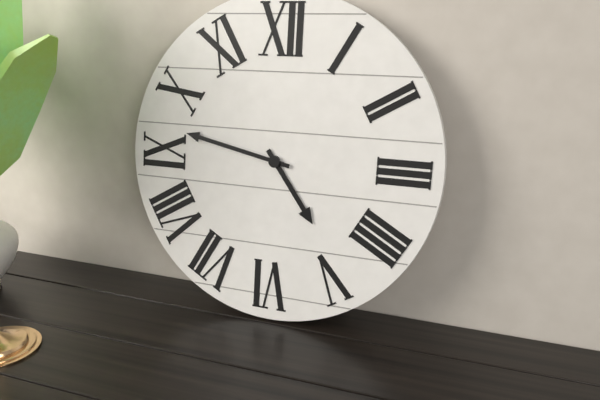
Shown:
**4:47**
